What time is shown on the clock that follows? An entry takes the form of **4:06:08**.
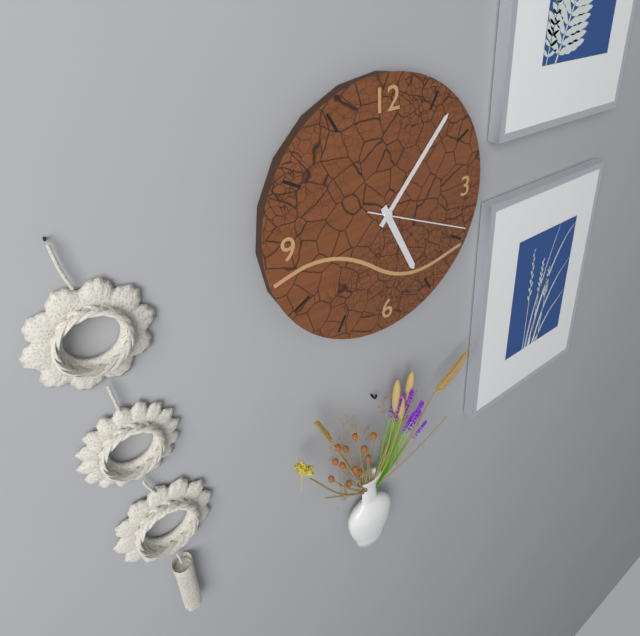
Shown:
**5:07:19**
